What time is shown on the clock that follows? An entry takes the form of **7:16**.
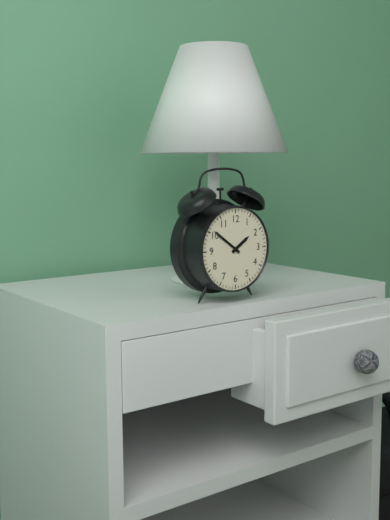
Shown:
**1:51**
